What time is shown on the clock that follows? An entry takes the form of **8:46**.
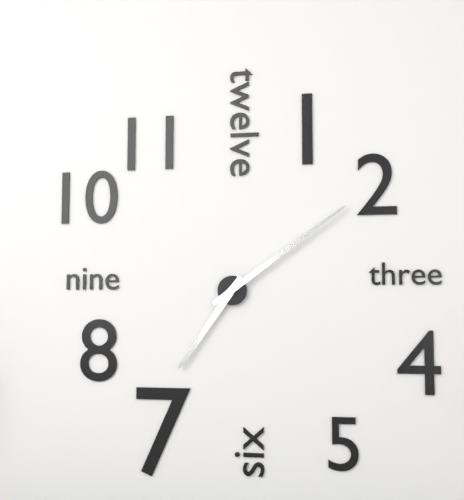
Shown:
**7:09**
